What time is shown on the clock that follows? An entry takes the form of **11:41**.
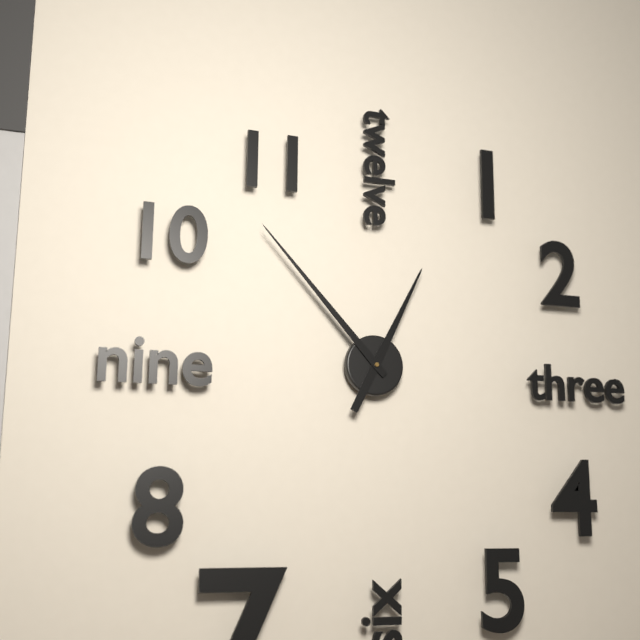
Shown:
**12:53**
